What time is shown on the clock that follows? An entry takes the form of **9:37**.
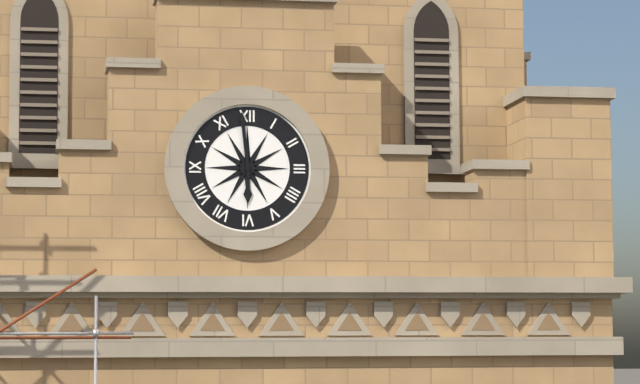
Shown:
**5:59**
